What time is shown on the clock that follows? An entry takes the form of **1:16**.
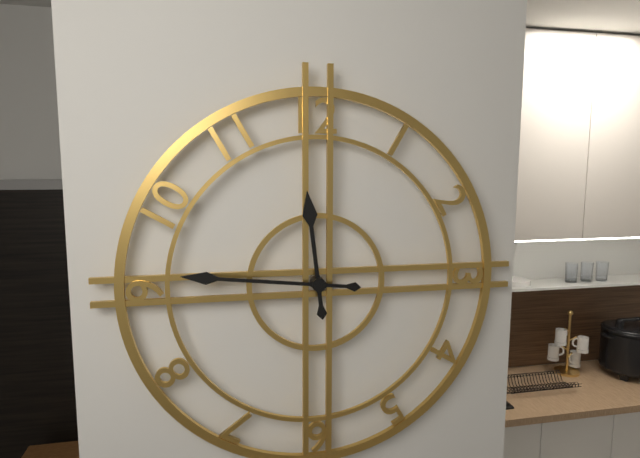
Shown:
**11:46**
